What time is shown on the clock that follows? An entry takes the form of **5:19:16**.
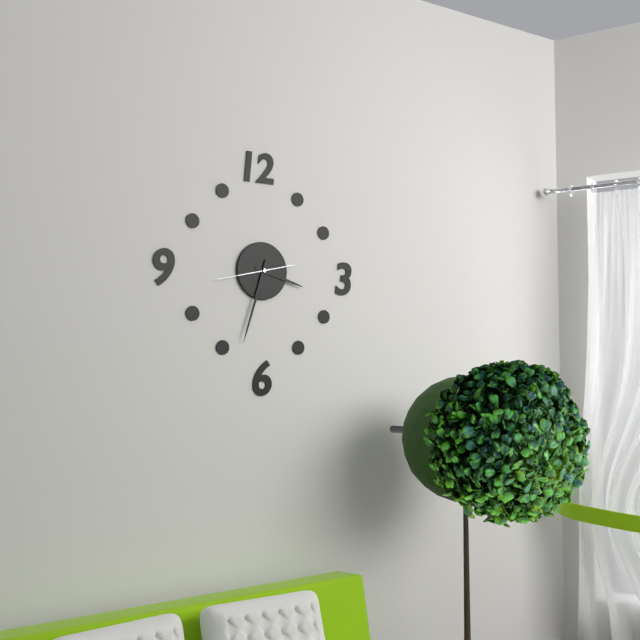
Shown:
**3:33:43**
